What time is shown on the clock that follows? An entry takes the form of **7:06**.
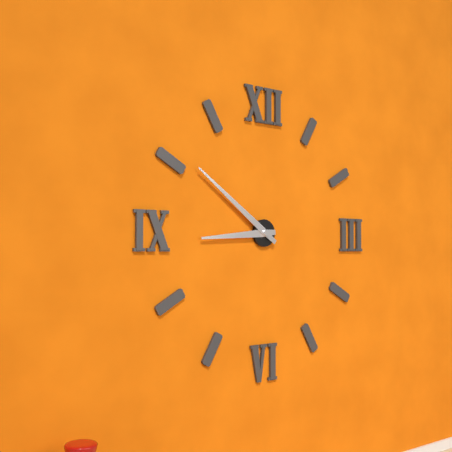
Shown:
**8:51**
